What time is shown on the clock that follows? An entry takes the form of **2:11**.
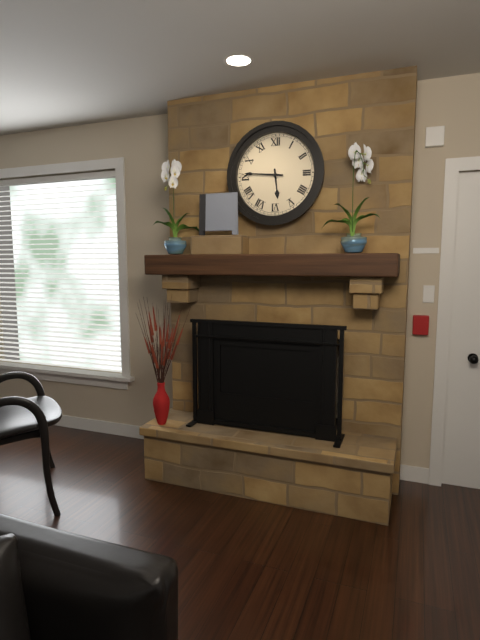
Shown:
**5:46**
